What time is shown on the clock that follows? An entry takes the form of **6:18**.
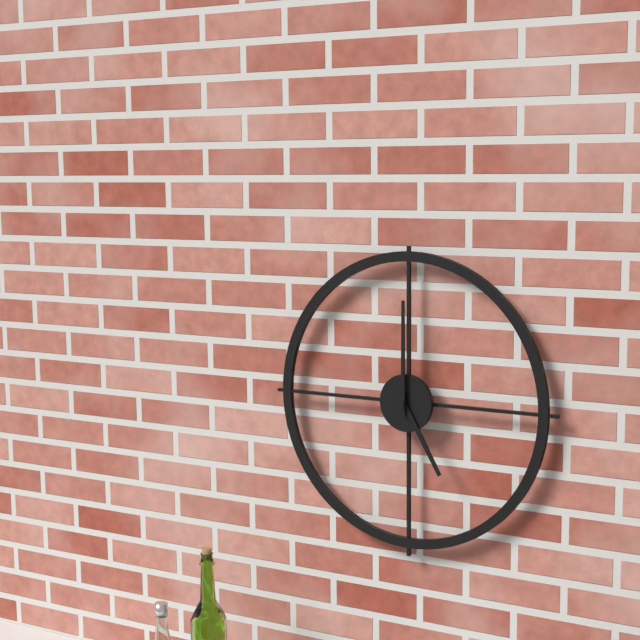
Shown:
**5:00**
